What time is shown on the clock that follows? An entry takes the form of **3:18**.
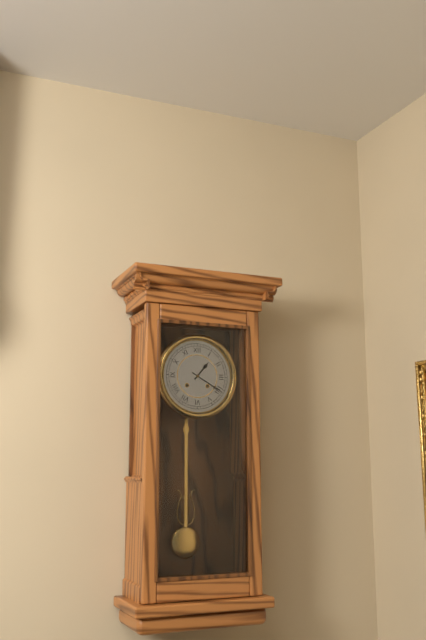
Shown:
**1:20**
